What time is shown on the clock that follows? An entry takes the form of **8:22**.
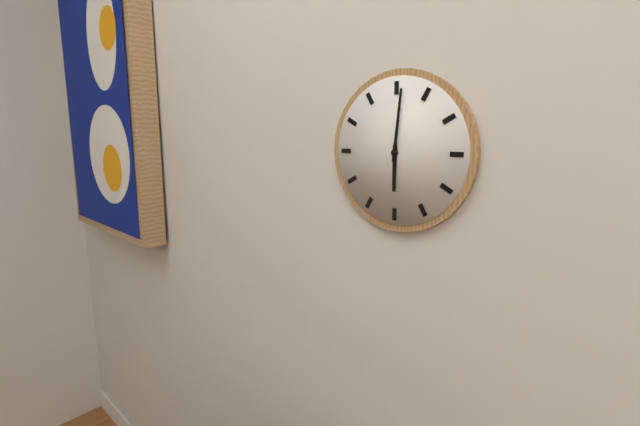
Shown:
**6:01**
